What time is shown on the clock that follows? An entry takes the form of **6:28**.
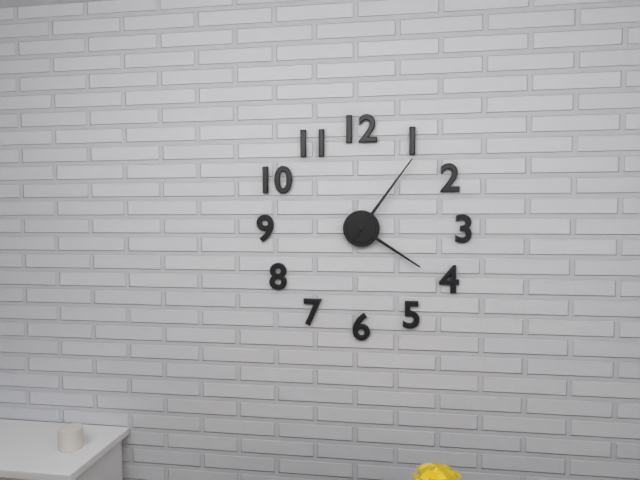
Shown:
**4:06**
